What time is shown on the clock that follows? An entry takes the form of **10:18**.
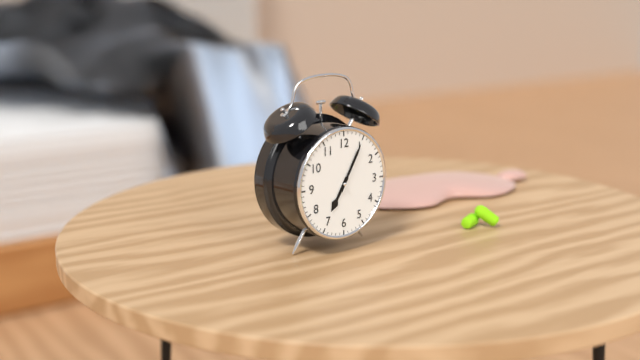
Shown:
**7:05**
